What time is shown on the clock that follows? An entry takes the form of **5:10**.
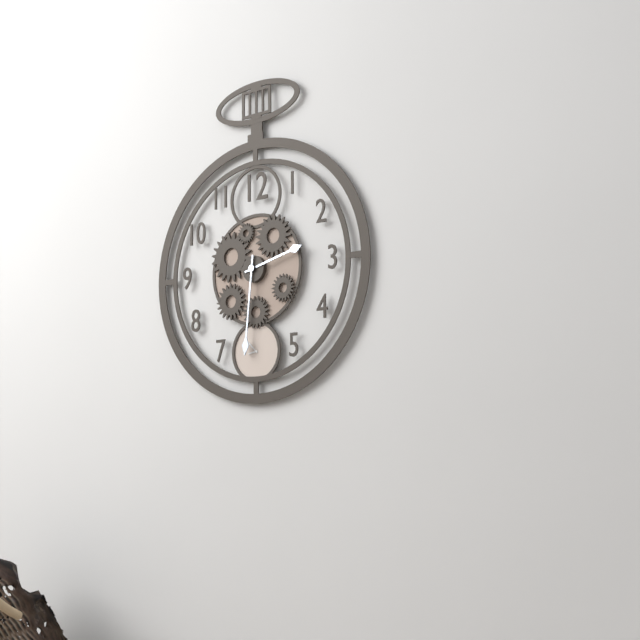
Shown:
**2:31**
